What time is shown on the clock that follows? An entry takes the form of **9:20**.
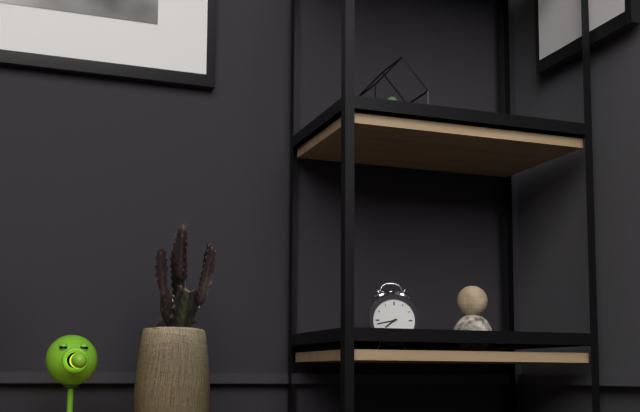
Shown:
**7:43**
